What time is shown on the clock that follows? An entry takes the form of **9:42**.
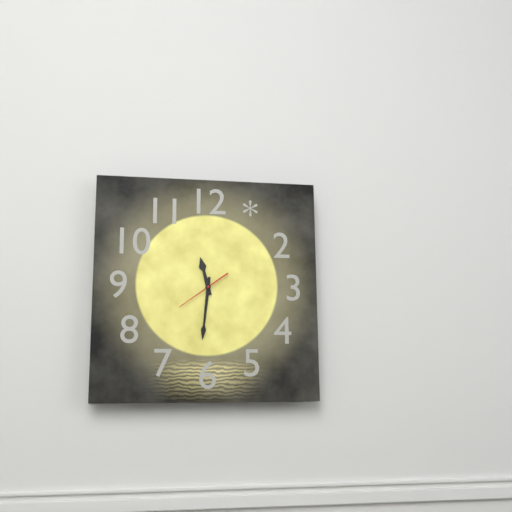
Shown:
**11:31**
